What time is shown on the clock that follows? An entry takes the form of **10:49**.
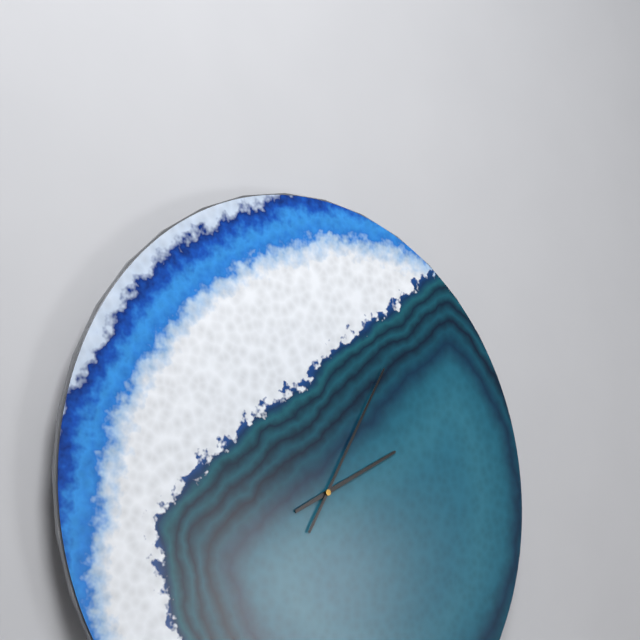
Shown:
**2:05**
